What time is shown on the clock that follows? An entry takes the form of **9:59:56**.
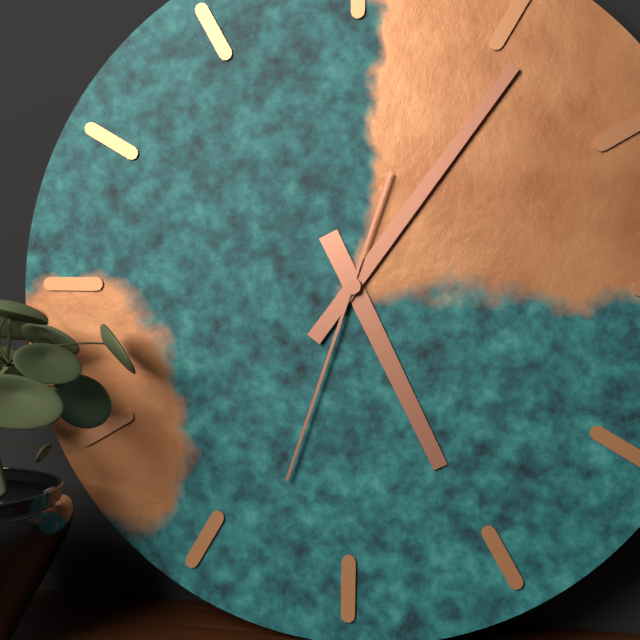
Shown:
**5:06:33**
